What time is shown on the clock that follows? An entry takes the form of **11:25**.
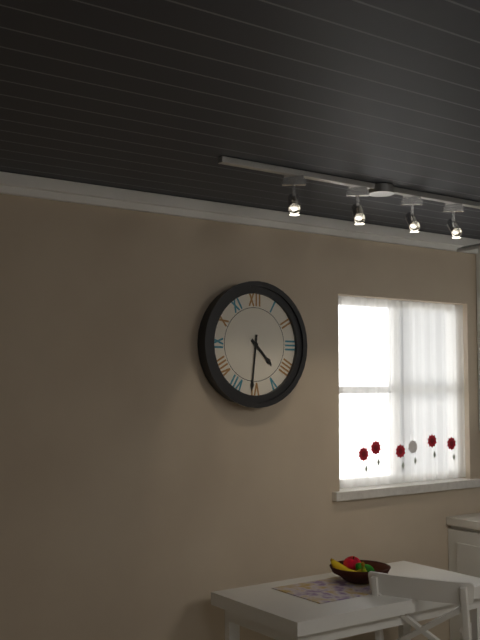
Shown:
**4:31**
